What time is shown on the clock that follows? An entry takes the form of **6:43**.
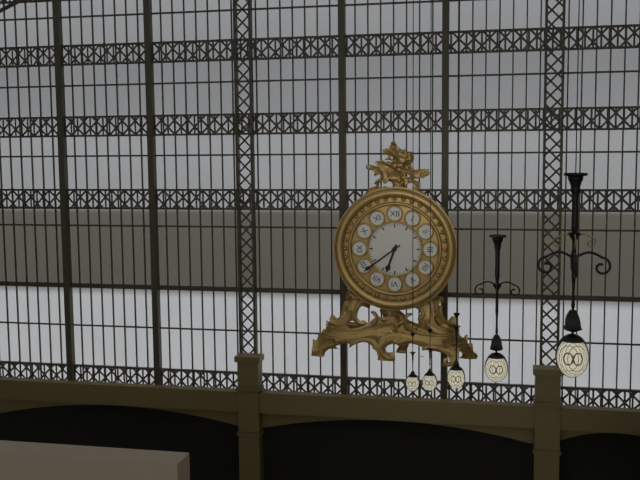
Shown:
**6:39**
